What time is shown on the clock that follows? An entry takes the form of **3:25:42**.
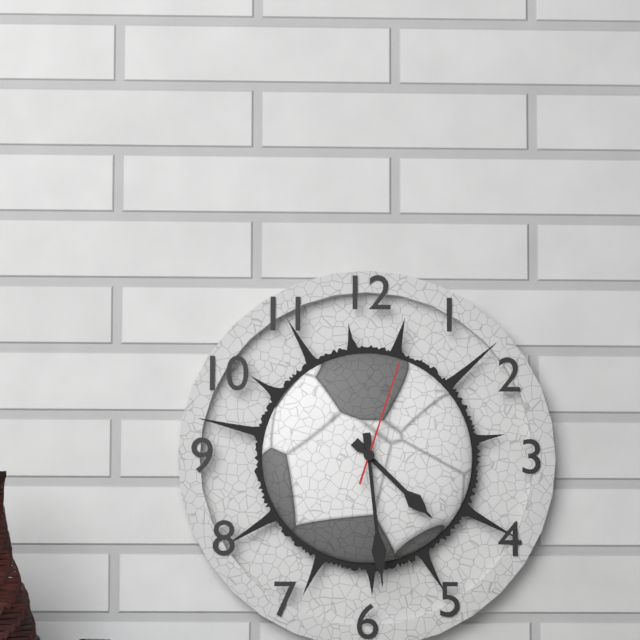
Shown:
**4:29:03**
